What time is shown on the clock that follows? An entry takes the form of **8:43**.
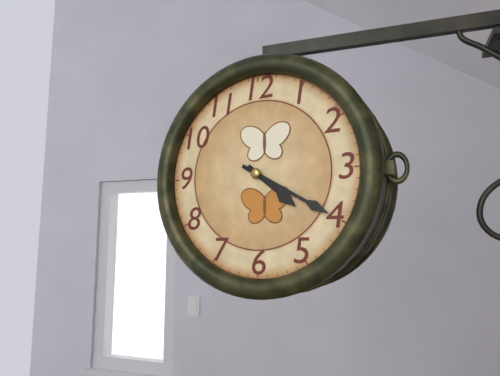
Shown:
**4:20**
